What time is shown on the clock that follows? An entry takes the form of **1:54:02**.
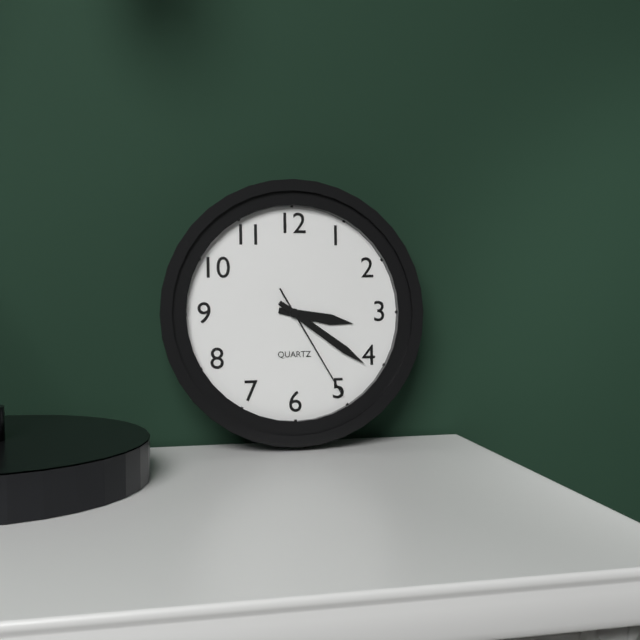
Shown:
**3:21:25**
